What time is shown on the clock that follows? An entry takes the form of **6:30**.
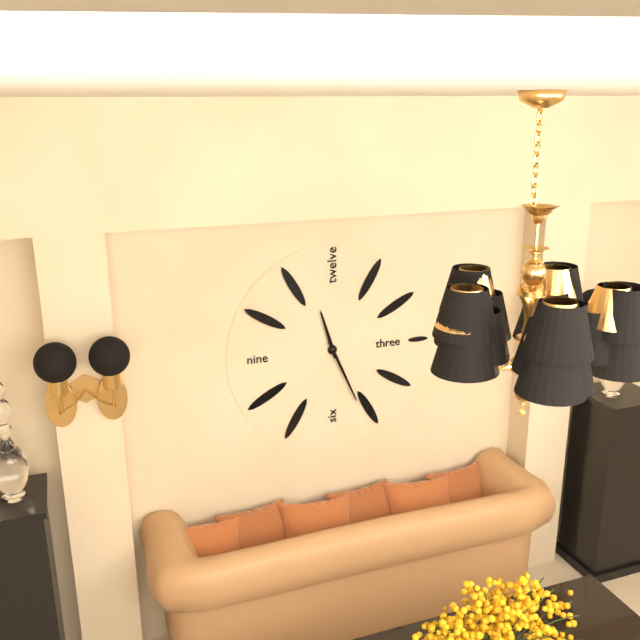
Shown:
**11:26**
